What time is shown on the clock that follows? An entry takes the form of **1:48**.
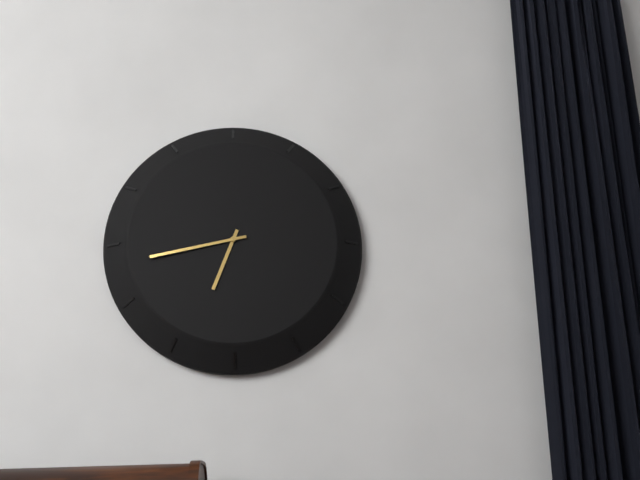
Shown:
**6:43**
